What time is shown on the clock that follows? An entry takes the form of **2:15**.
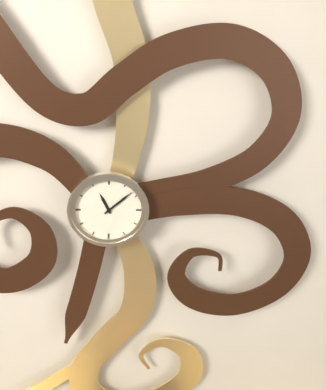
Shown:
**11:08**
